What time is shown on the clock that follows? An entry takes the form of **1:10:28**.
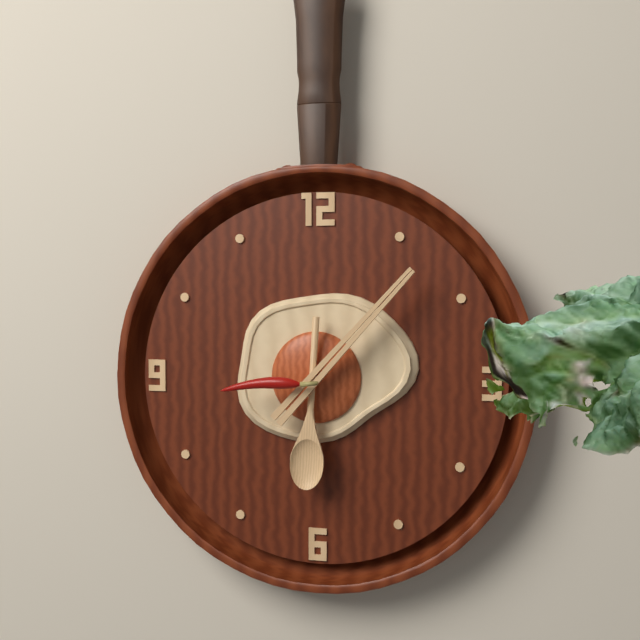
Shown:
**6:07:44**
